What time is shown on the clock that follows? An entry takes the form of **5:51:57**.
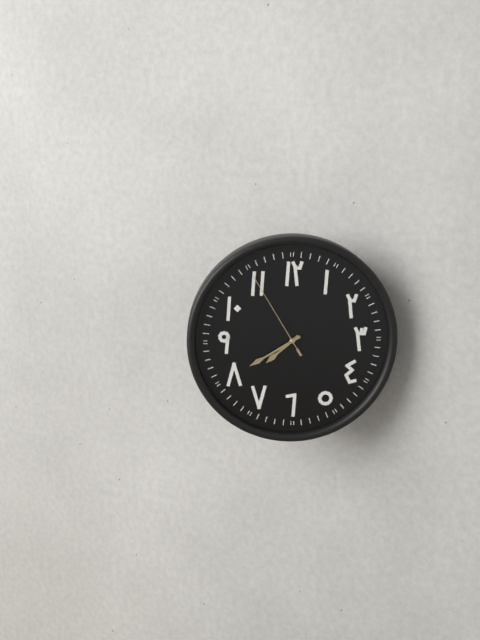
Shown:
**7:40:55**
